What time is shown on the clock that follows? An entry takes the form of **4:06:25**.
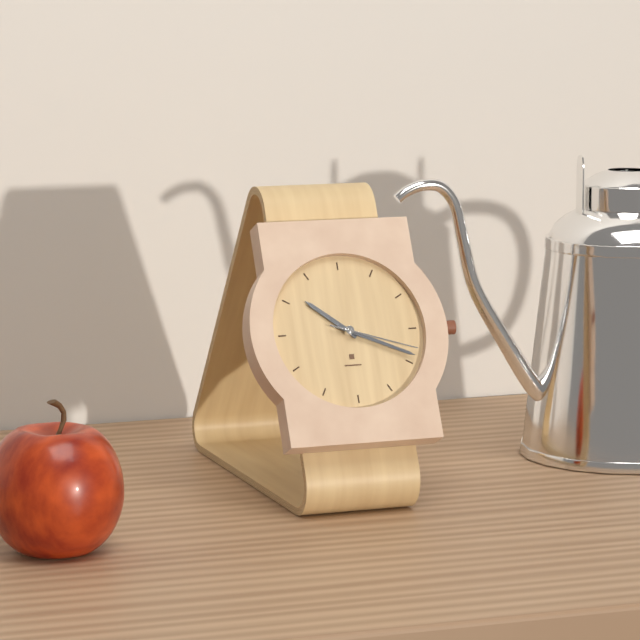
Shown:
**10:19:18**
